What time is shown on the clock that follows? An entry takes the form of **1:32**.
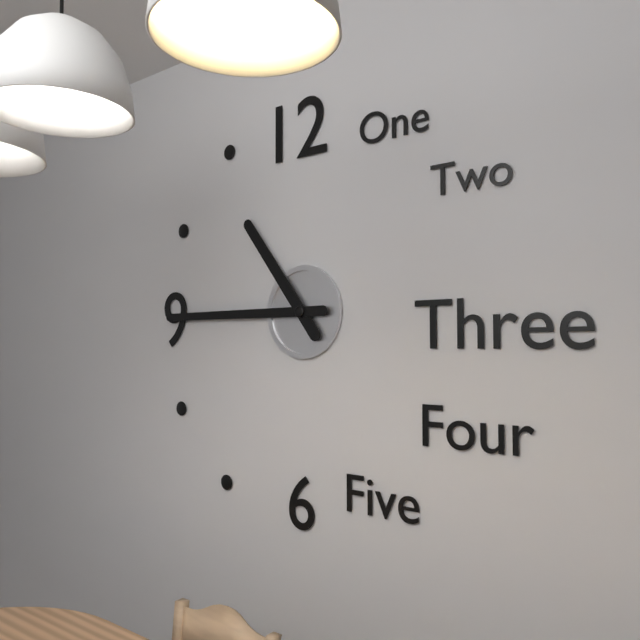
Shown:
**10:45**
